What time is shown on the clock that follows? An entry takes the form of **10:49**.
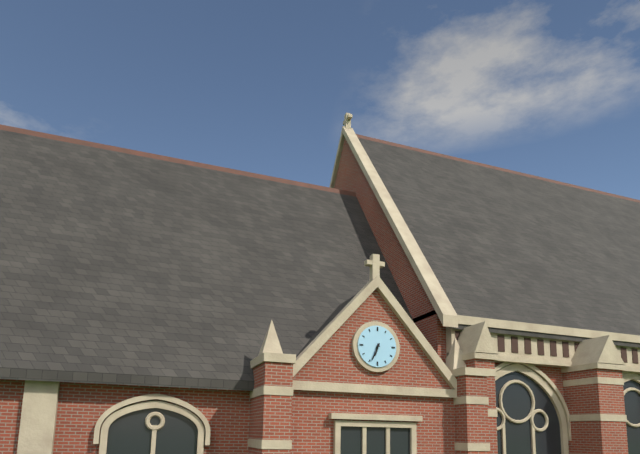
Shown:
**6:34**
